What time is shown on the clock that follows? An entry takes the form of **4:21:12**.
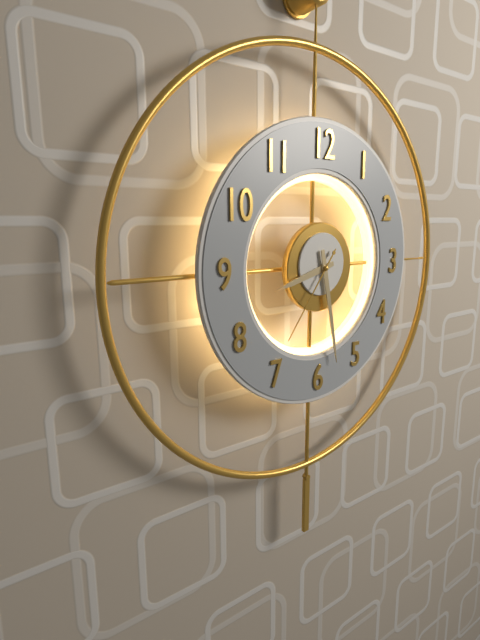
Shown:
**8:28:36**
